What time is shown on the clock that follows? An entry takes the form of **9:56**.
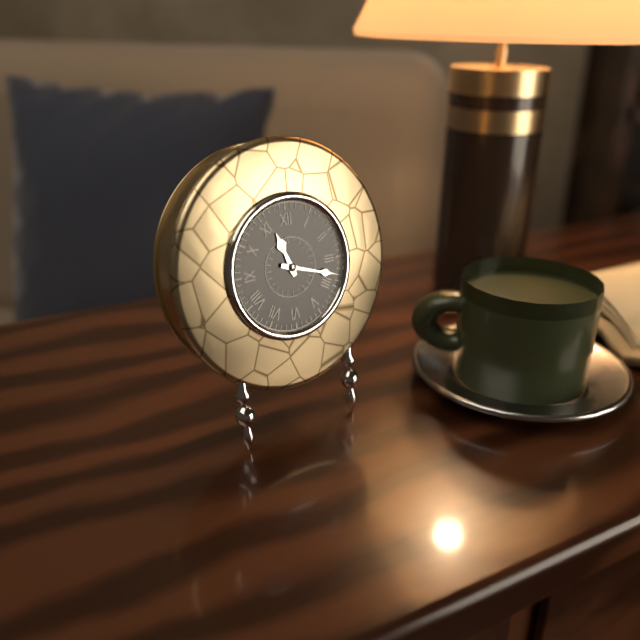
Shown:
**11:18**
